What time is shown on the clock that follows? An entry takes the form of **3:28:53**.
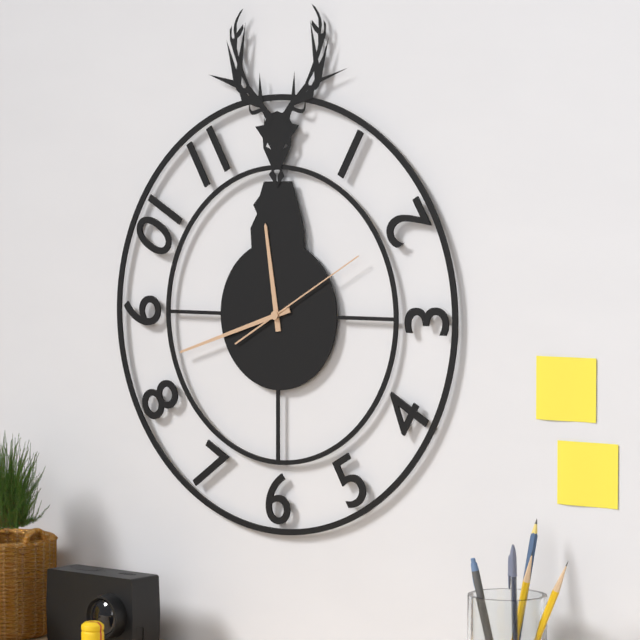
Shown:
**11:42:10**
